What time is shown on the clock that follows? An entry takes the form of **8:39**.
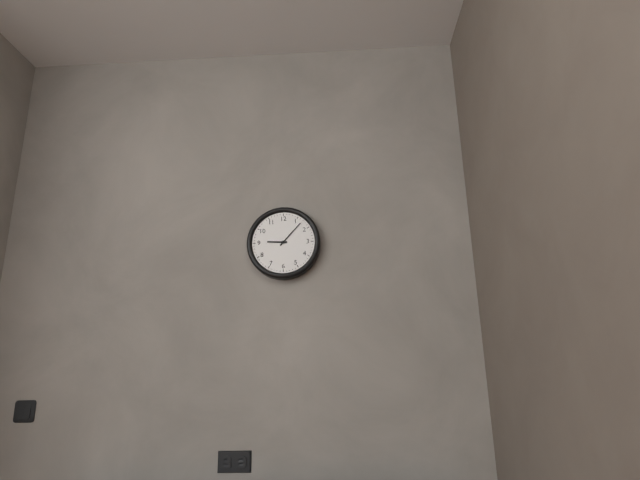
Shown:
**9:07**
